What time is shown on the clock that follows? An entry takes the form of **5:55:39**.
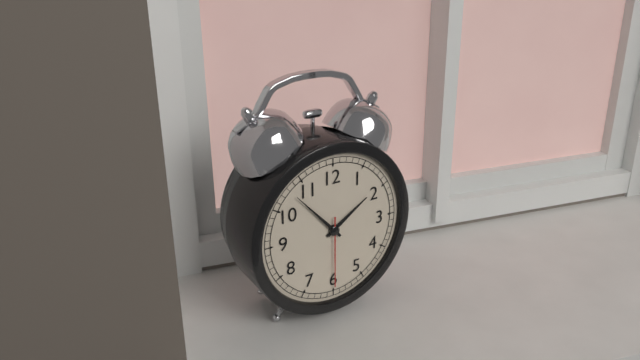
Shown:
**1:53:30**
